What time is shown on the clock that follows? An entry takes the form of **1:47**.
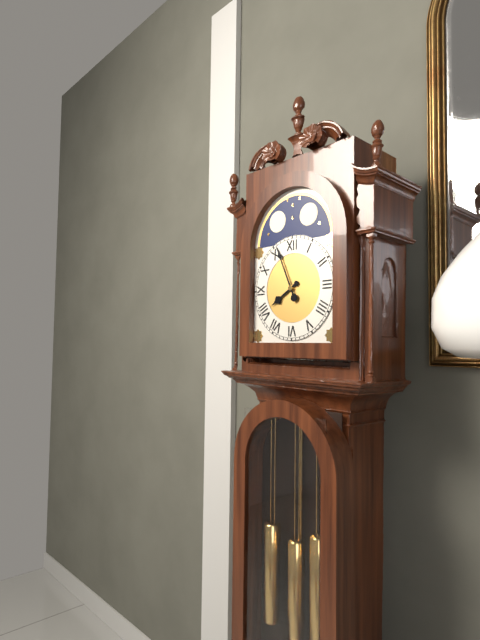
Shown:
**7:56**
